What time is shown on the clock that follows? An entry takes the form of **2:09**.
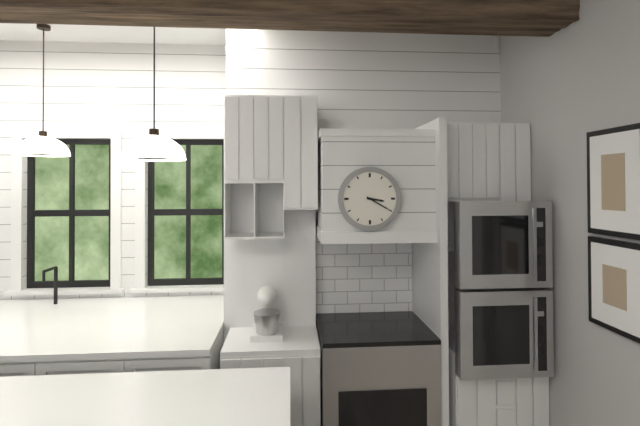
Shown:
**3:20**
